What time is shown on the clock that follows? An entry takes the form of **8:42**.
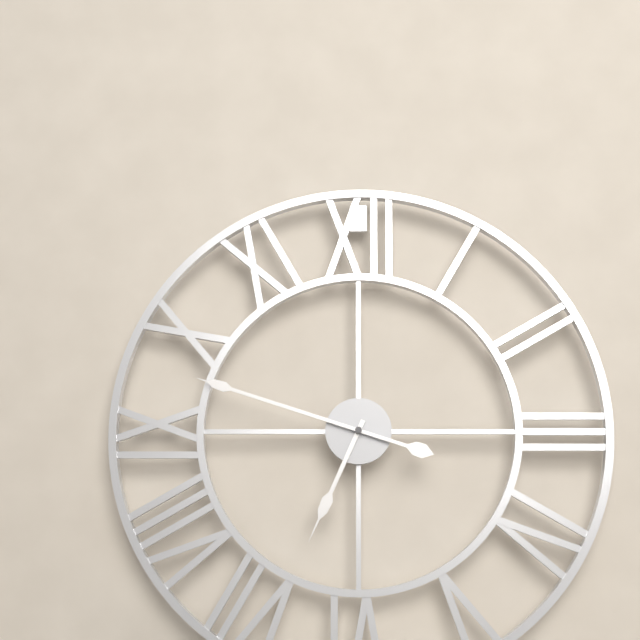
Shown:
**6:48**
